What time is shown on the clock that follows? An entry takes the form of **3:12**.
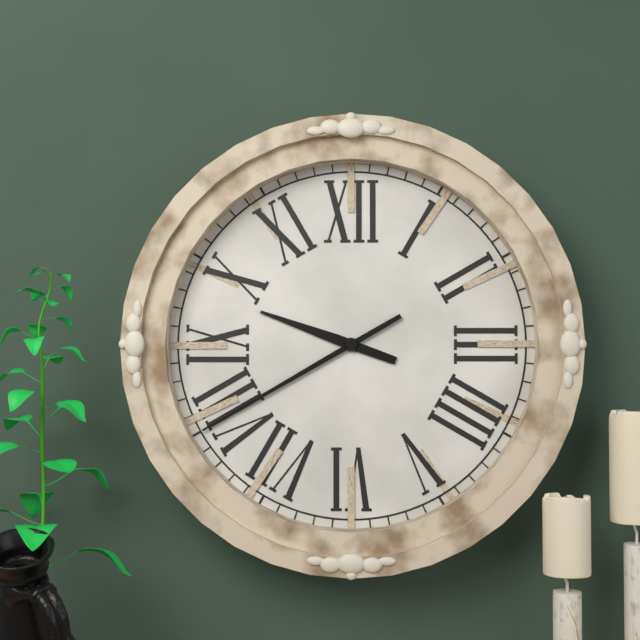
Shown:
**9:40**
